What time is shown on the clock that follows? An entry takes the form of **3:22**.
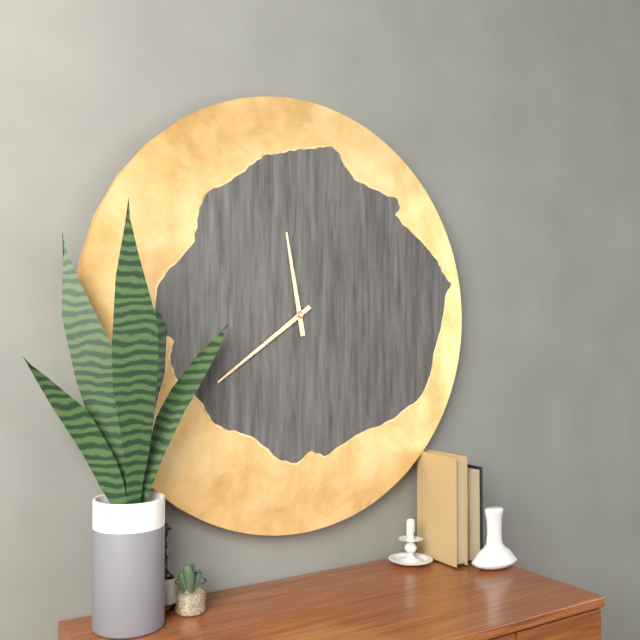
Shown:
**11:39**
